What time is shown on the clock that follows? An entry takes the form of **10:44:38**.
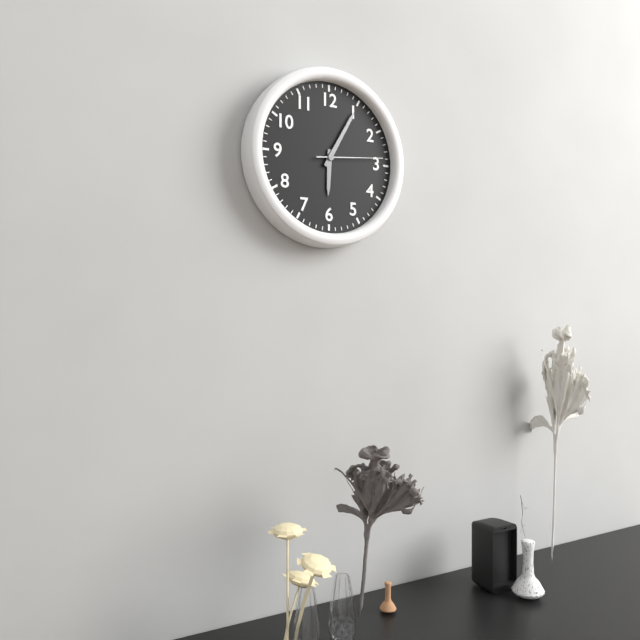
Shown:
**6:05:14**
